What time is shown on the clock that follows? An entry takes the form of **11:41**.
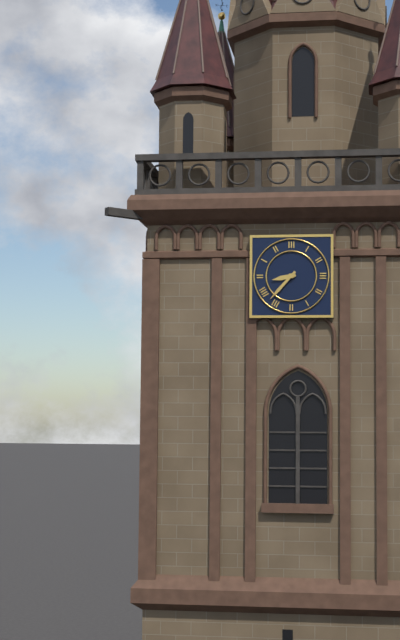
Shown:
**8:37**
